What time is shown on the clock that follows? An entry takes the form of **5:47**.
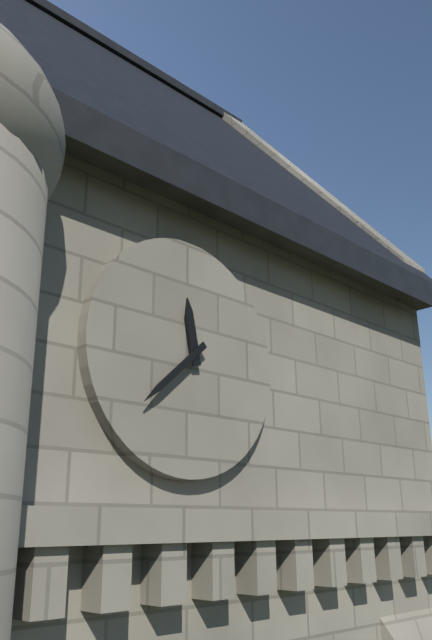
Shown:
**11:38**
